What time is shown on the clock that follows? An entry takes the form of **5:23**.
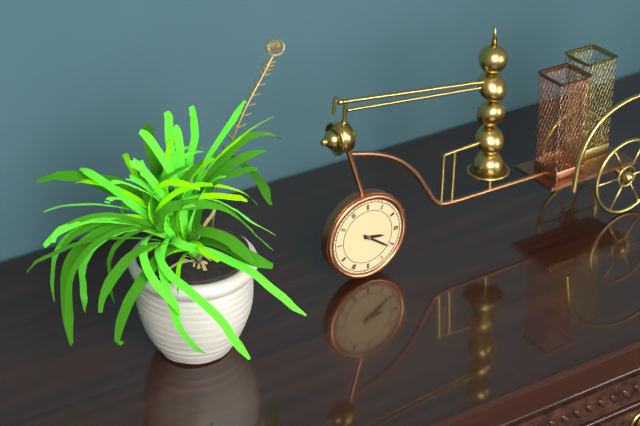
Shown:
**3:21**
